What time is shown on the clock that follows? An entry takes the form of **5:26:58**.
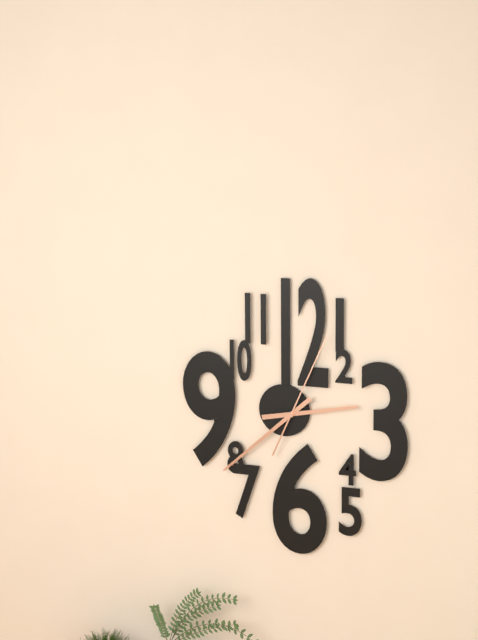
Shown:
**2:38:04**
